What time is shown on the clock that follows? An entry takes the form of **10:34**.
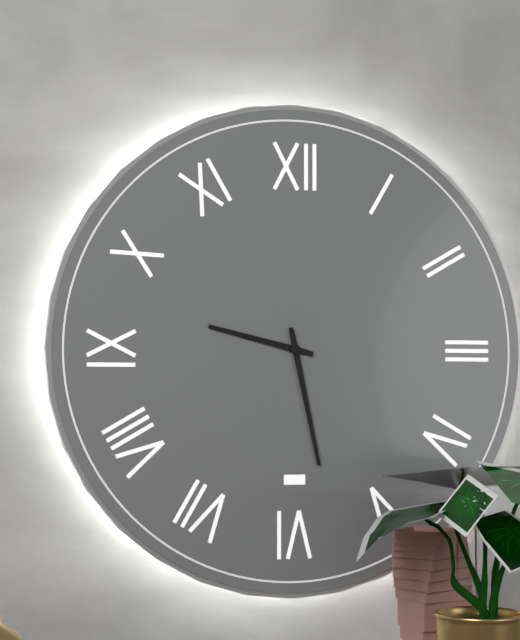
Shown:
**9:28**
